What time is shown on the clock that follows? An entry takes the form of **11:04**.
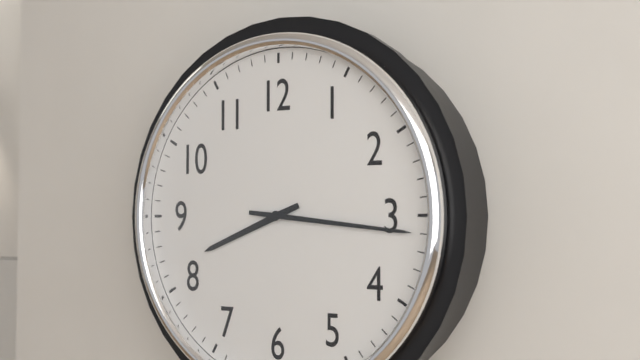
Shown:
**8:16**
